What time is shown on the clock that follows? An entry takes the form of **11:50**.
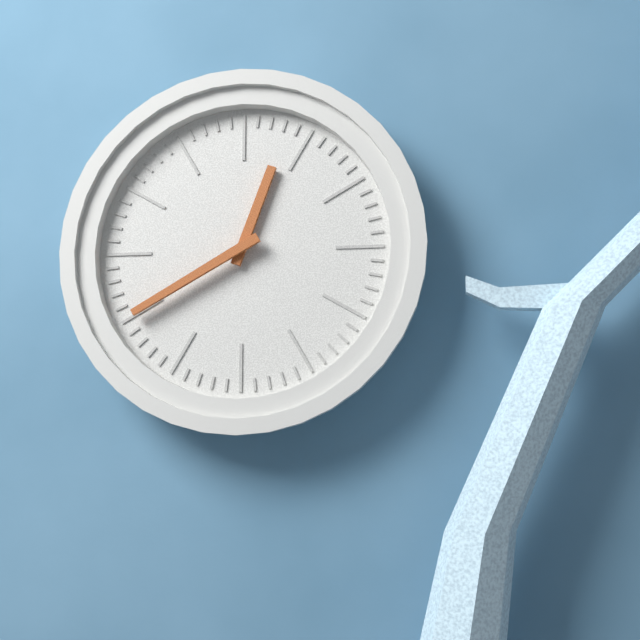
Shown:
**12:40**
